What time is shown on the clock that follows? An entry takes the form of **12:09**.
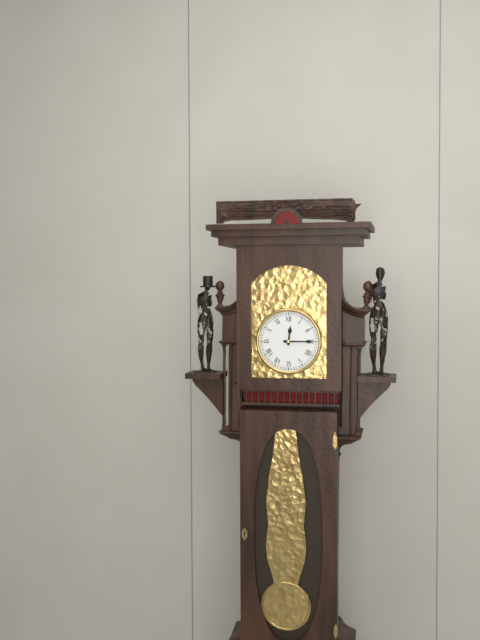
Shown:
**12:15**
